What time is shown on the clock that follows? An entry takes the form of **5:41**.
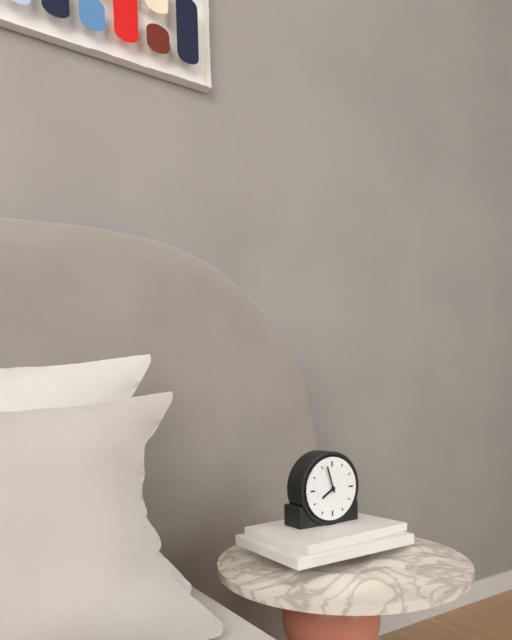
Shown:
**7:57**
